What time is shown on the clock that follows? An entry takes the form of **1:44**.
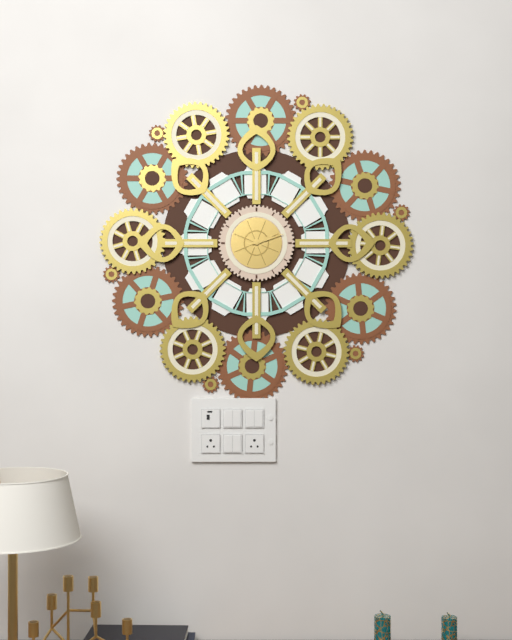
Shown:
**2:12**
